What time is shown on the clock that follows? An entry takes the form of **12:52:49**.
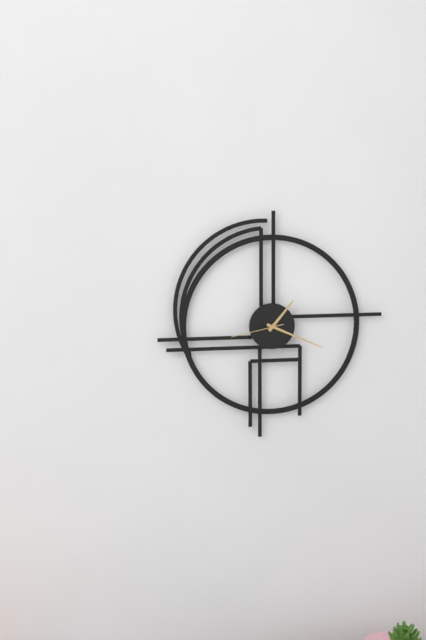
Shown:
**1:19:43**
